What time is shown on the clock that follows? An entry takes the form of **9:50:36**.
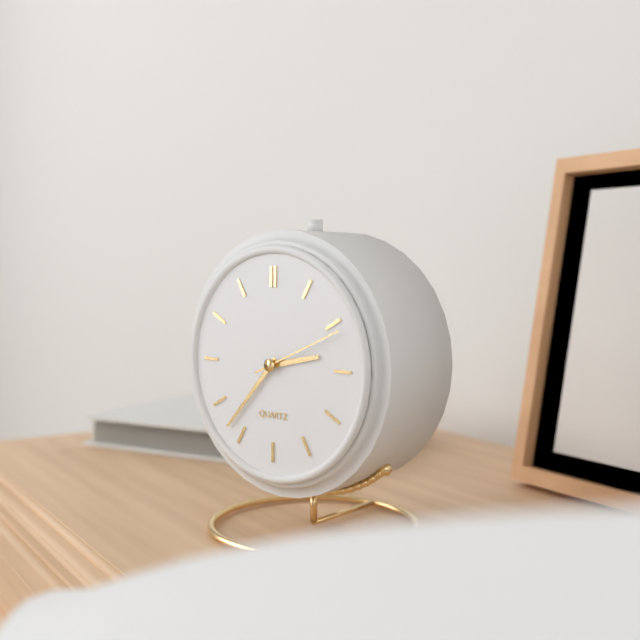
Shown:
**2:37:11**
